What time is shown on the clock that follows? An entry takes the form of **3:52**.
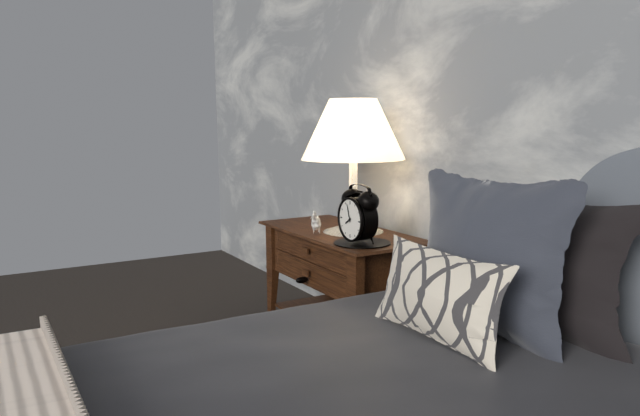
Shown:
**7:57**
